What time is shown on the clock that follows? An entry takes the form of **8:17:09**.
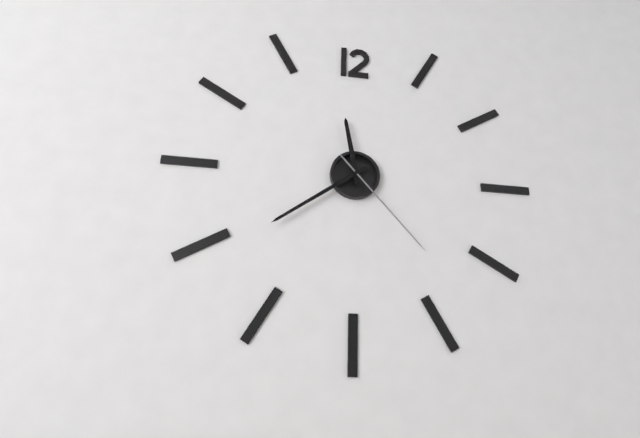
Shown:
**11:39:23**
